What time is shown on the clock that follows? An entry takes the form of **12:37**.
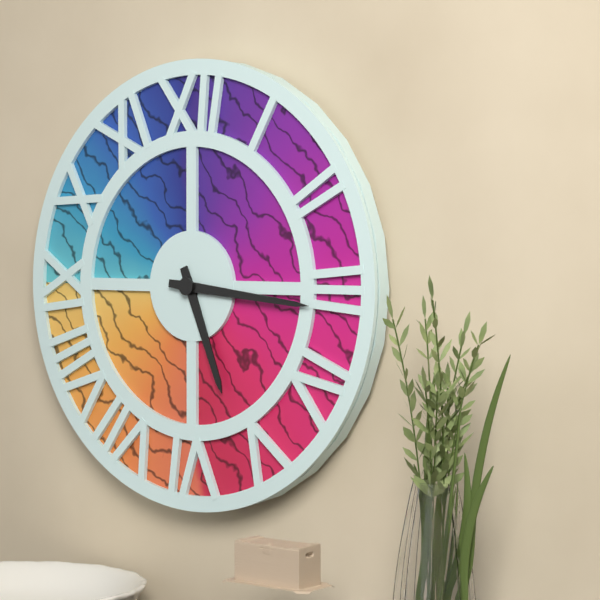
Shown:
**5:16**
